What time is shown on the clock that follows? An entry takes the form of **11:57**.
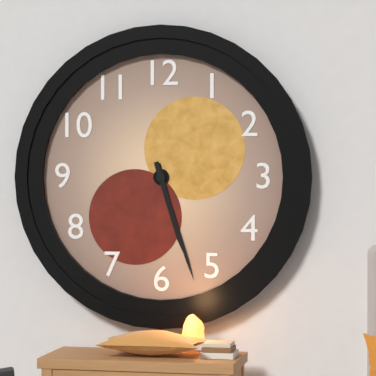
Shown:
**5:27**
